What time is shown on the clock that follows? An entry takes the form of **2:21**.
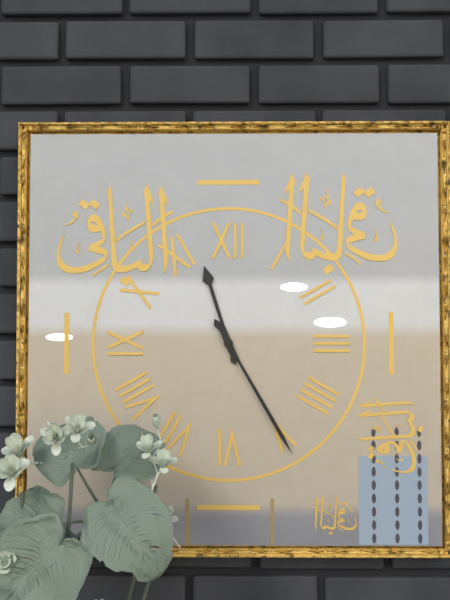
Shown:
**11:25**
